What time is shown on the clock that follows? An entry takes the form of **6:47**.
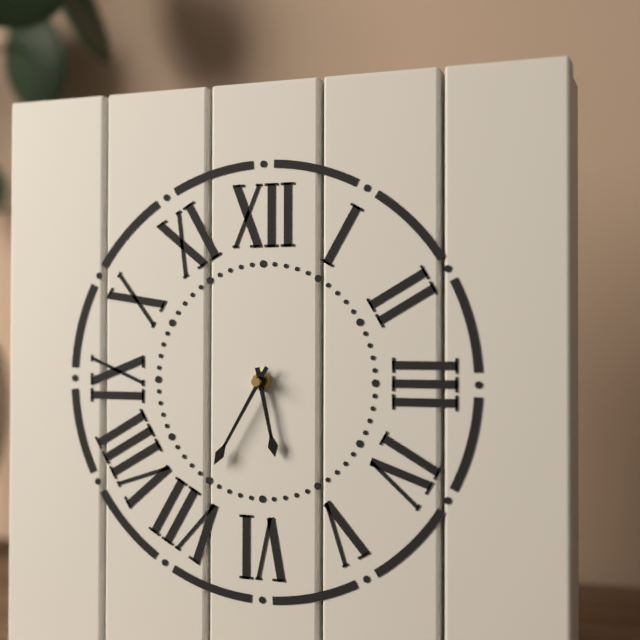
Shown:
**5:35**
